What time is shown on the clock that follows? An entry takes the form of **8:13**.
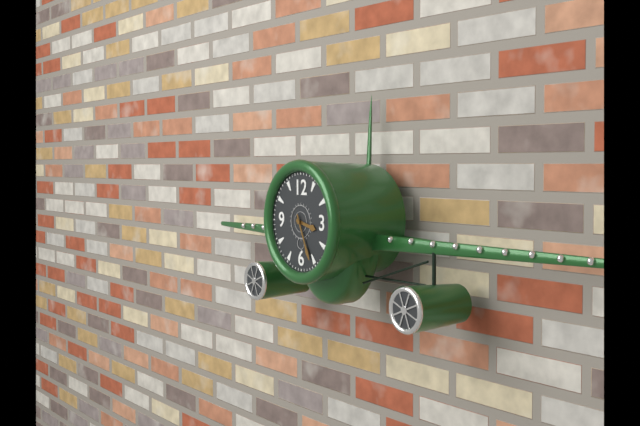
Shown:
**3:26**
